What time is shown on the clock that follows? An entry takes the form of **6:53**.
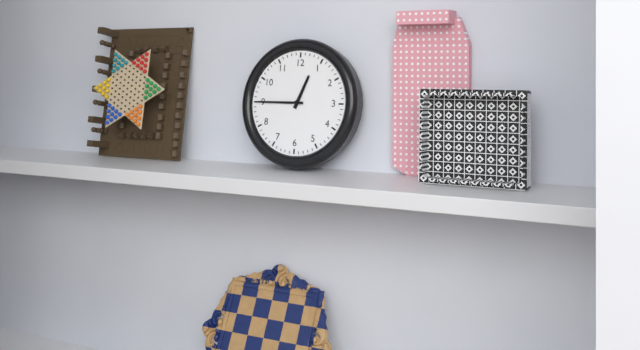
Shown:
**12:45**
